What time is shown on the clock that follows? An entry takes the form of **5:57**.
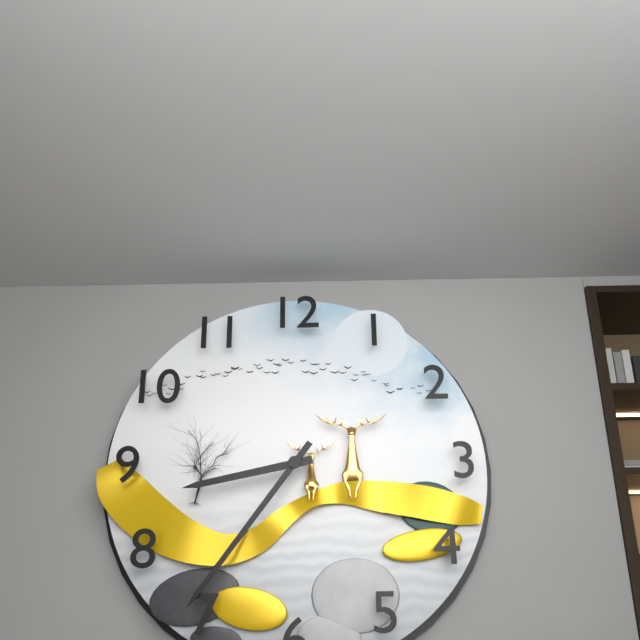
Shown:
**8:36**
